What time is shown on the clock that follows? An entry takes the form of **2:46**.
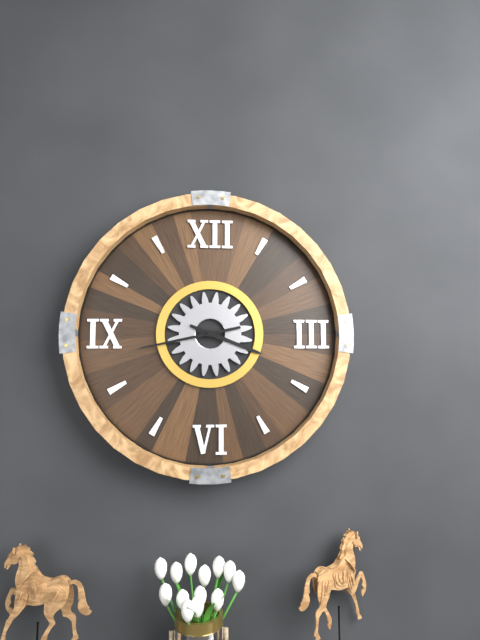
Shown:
**3:43**
